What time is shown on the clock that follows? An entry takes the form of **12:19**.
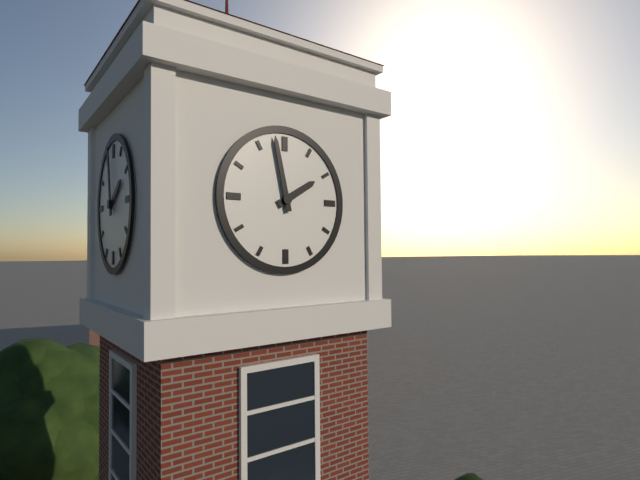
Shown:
**1:58**
